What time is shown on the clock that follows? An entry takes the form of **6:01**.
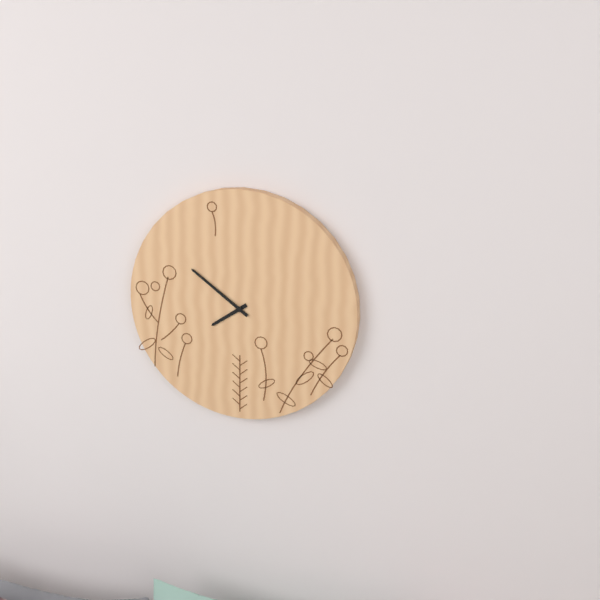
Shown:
**7:51**
